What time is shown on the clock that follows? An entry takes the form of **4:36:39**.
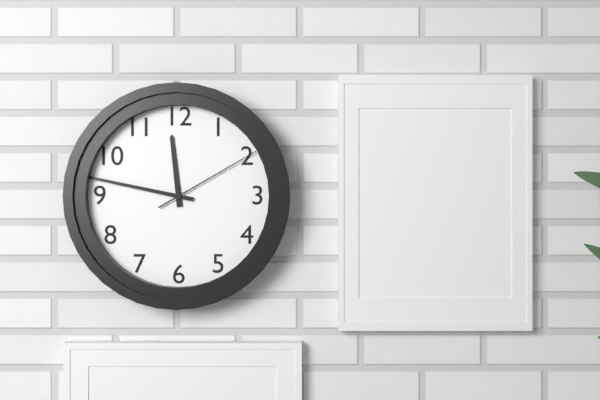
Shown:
**11:47:10**
